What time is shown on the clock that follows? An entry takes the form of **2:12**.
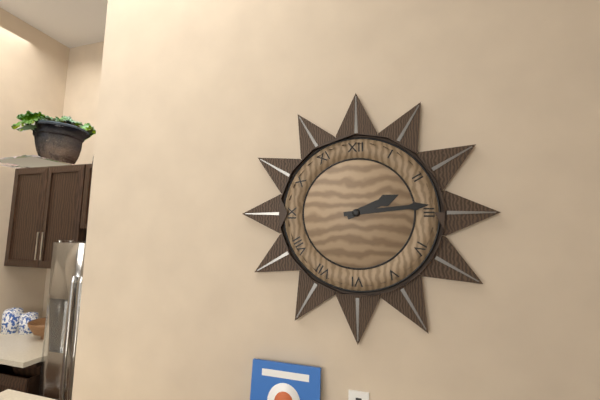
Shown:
**2:14**
